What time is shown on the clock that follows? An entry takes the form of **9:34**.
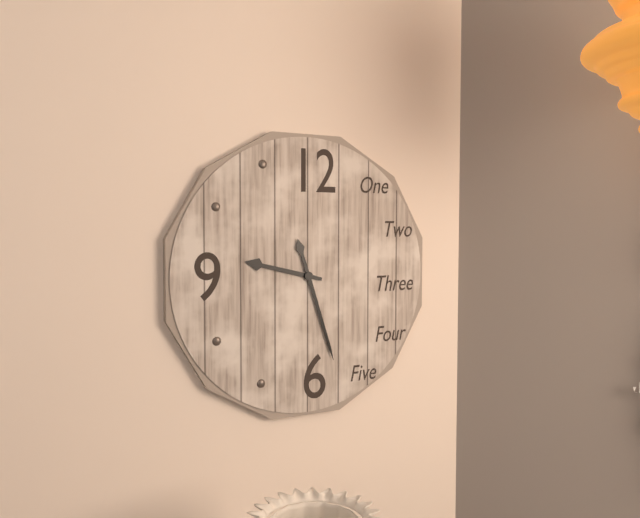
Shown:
**9:27**
